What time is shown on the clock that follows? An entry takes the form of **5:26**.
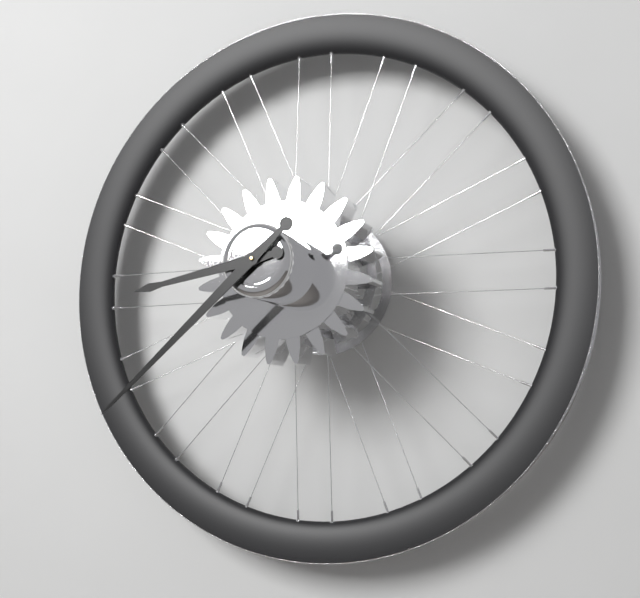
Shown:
**8:38**
